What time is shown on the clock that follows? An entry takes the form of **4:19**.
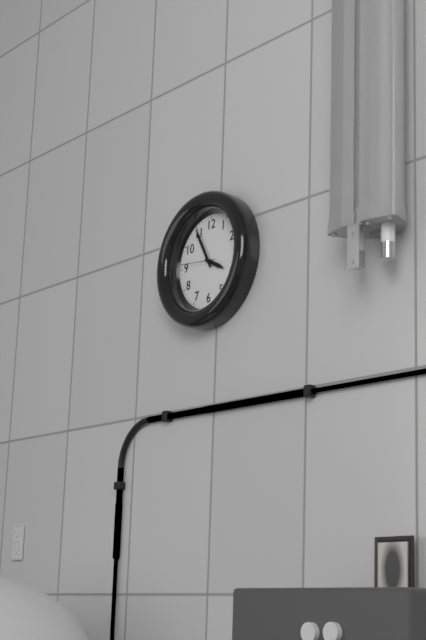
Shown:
**3:55**
